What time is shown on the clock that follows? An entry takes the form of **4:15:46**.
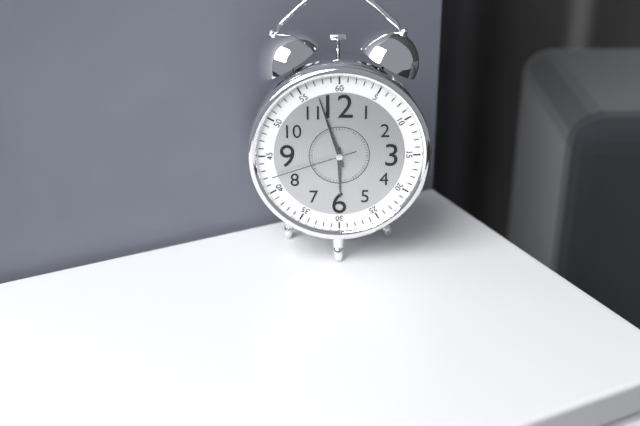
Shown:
**5:57:42**
